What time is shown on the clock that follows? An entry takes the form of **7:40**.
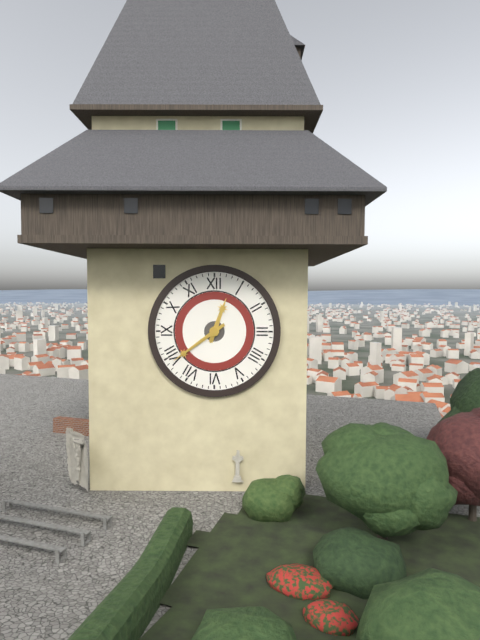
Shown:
**12:39**
